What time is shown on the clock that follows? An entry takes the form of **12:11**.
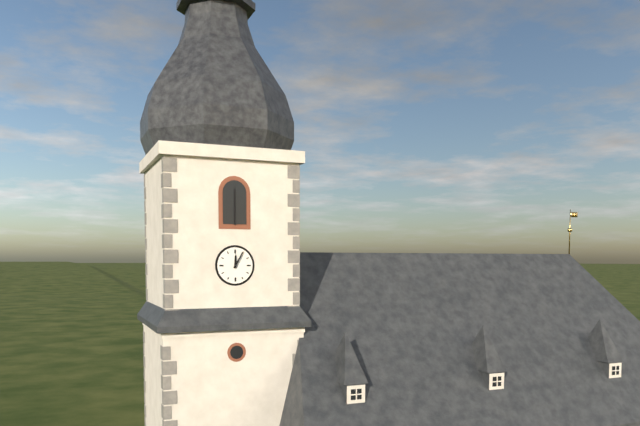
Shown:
**12:05**
